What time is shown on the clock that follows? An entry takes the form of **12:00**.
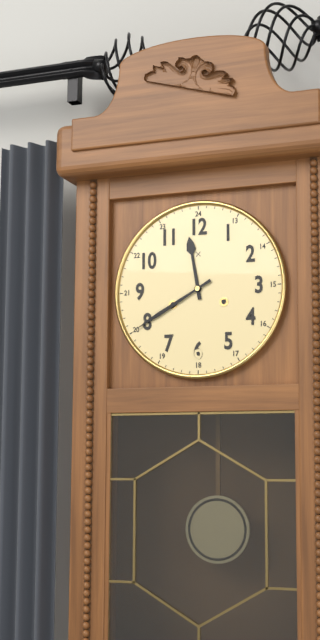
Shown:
**11:40**
